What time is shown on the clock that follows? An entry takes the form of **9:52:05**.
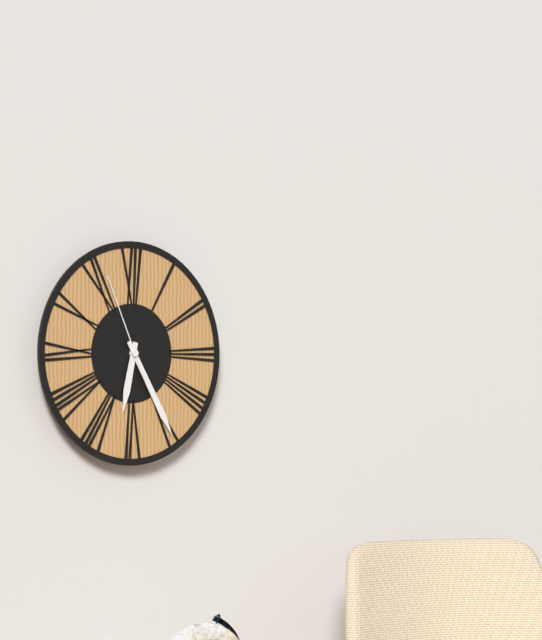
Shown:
**6:25:56**
